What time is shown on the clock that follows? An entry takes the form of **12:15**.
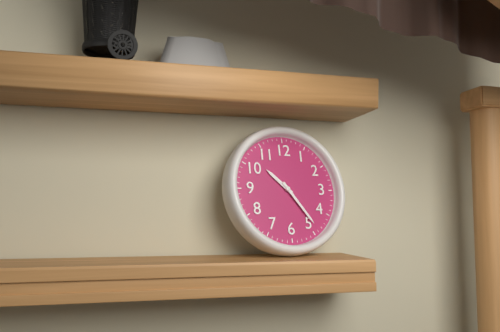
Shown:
**10:24**
